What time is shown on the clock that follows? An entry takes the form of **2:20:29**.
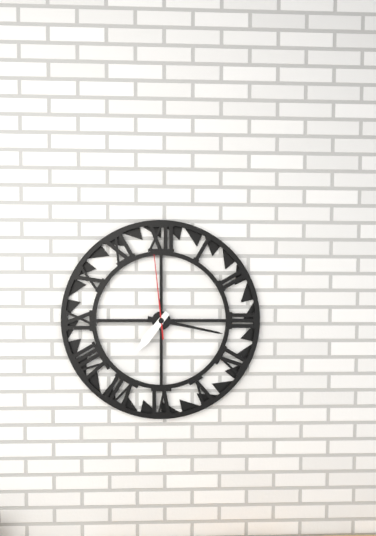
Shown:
**7:17:59**
